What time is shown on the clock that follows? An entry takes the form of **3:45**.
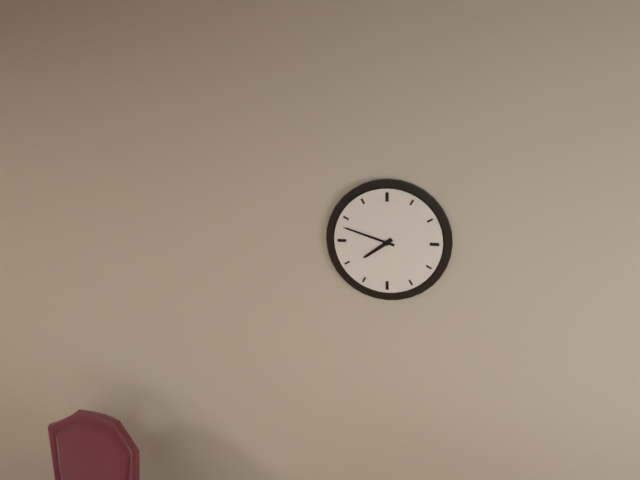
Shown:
**7:48**
